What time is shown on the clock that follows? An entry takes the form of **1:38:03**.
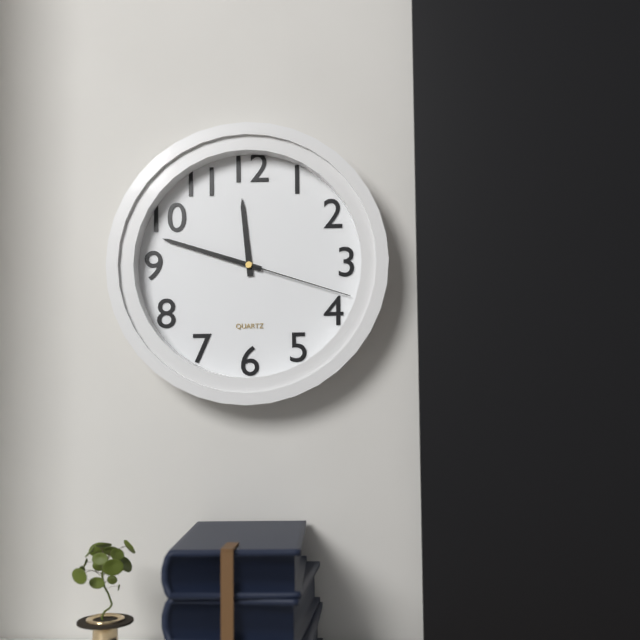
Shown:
**11:48:18**
